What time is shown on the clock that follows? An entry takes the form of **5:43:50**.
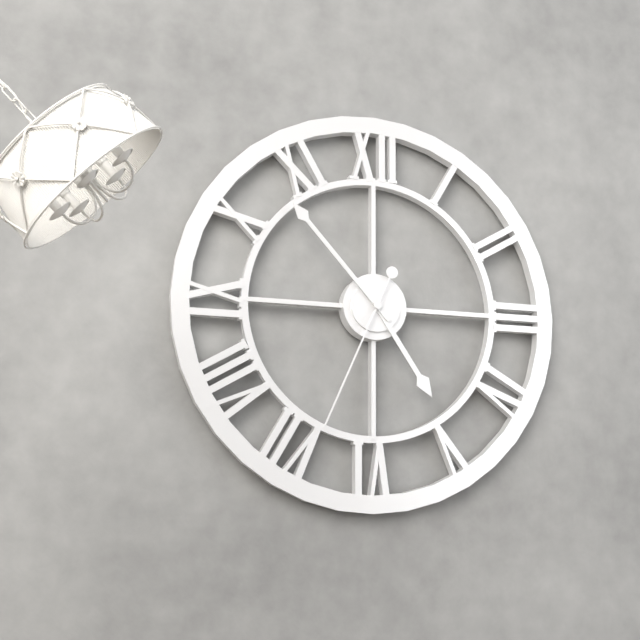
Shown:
**4:53:34**
